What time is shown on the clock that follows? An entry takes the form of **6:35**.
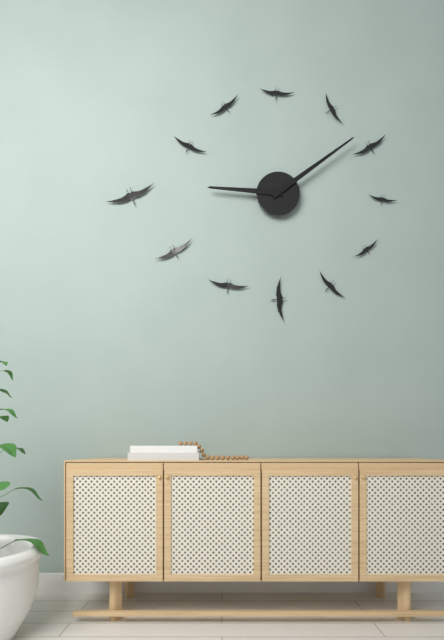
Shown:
**9:09**
